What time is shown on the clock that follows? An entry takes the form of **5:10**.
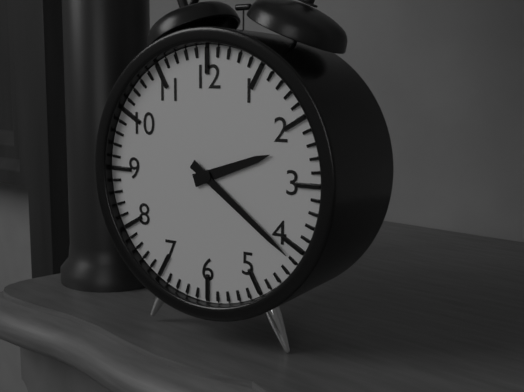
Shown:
**2:21**
